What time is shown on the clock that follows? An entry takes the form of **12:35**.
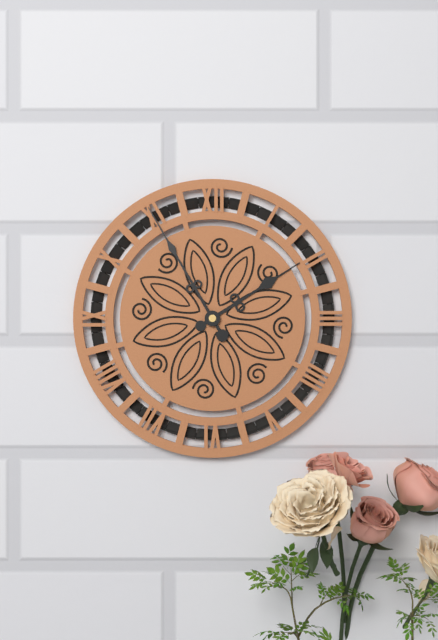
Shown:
**1:55**
